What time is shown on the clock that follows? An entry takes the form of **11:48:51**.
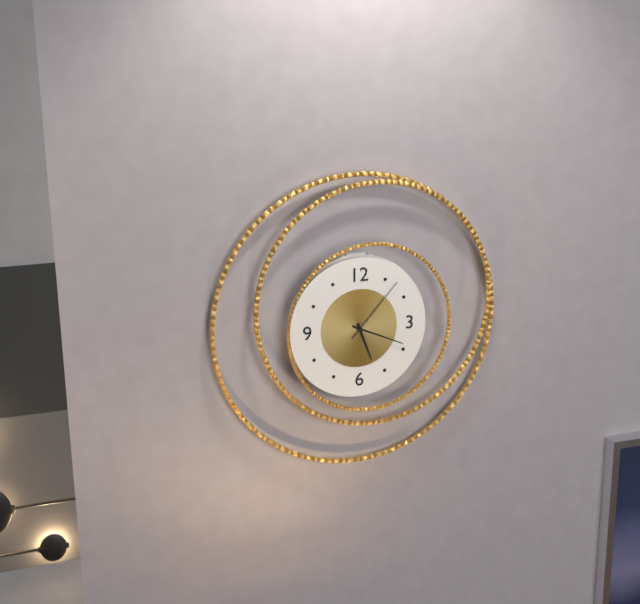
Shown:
**5:19:07**
